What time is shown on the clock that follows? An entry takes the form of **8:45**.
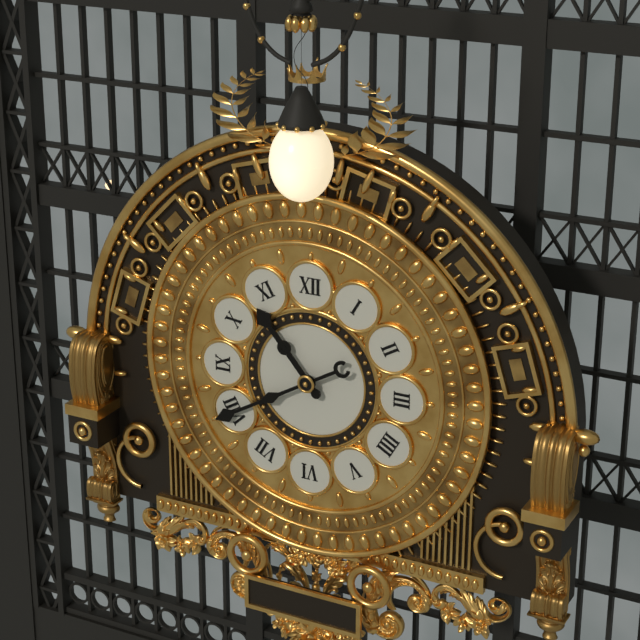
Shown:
**10:40**
